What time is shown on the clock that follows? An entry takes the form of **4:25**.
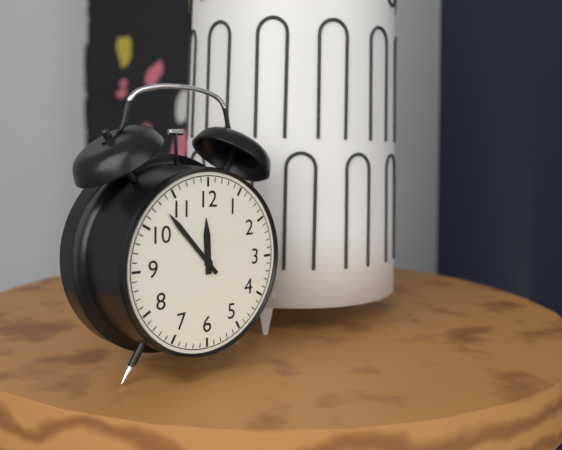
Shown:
**11:53**
